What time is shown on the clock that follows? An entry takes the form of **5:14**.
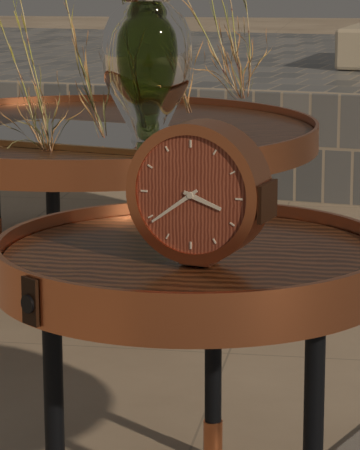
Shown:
**3:39**
